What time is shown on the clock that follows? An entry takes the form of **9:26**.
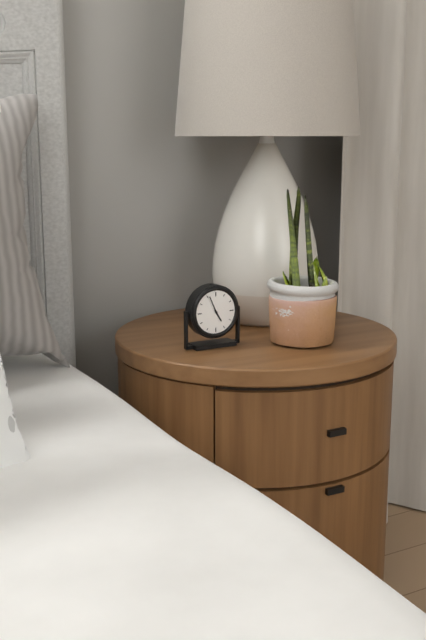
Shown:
**4:56**
